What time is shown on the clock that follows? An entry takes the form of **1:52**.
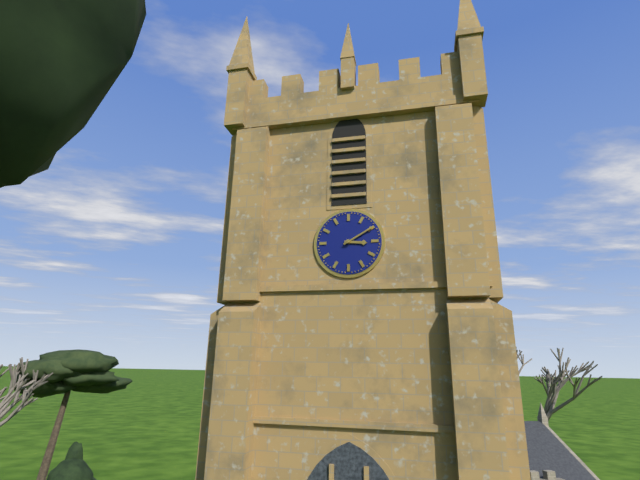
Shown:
**3:10**
